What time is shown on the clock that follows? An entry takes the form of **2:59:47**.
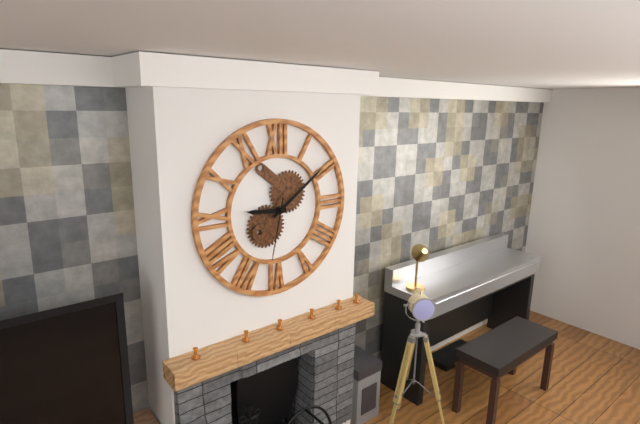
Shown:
**9:09:32**
